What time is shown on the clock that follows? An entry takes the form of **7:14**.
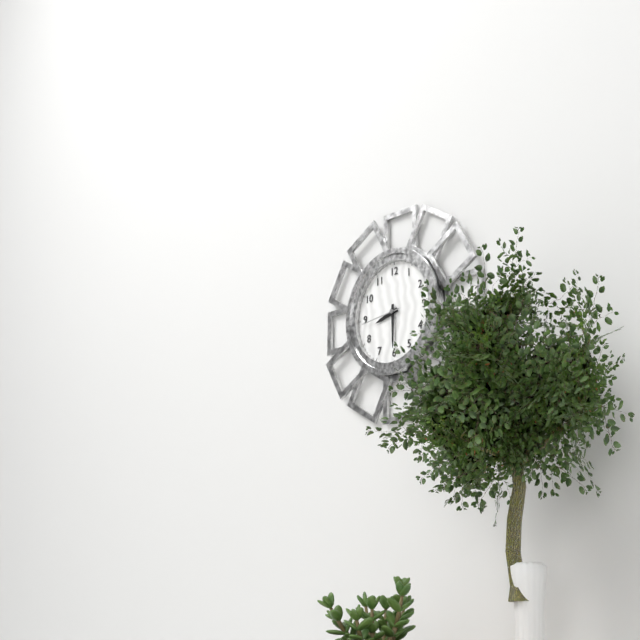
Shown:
**8:30**
